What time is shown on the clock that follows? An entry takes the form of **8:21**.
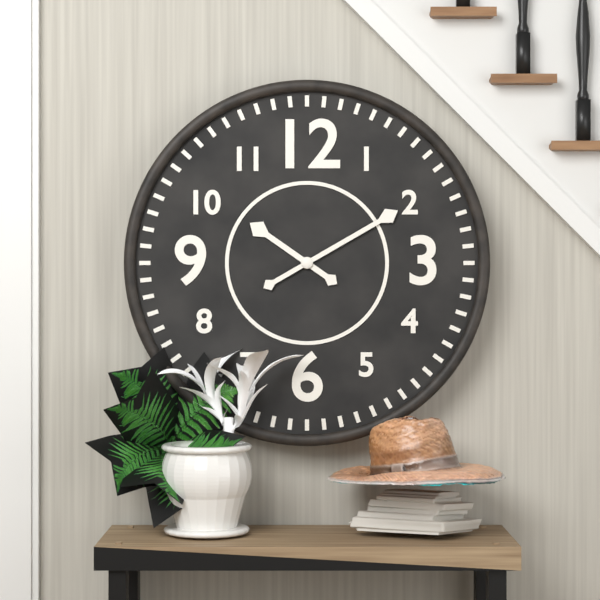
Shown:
**10:10**
